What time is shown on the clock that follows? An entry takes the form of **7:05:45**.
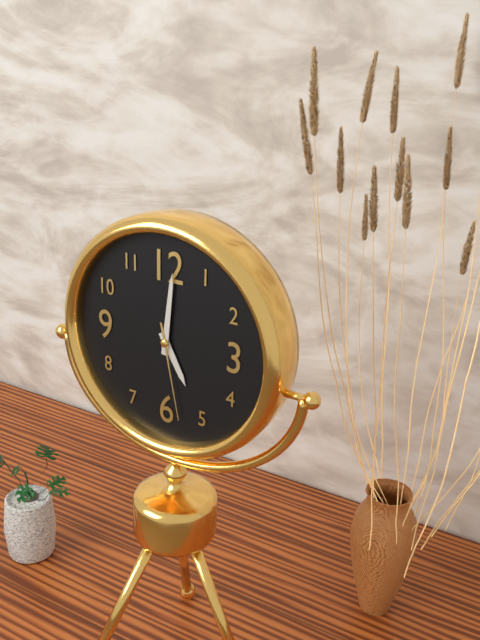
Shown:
**5:01:28**
